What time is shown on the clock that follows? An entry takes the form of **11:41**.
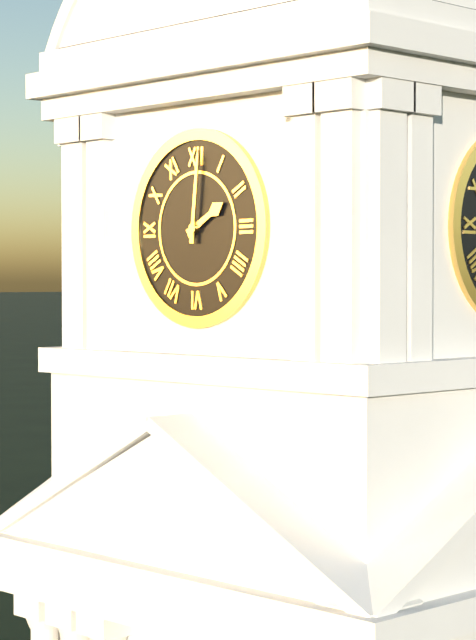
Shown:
**2:01**
